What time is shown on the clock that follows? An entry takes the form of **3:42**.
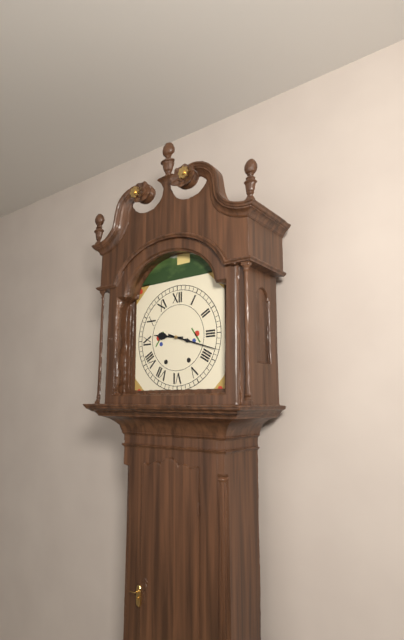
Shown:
**9:18**
